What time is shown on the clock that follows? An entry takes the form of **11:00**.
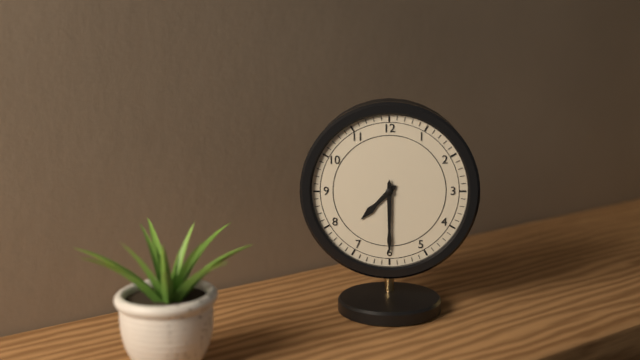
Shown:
**7:30**
